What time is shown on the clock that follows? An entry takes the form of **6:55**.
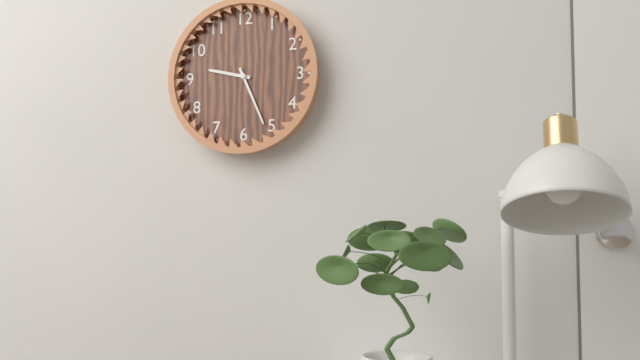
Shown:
**9:26**
